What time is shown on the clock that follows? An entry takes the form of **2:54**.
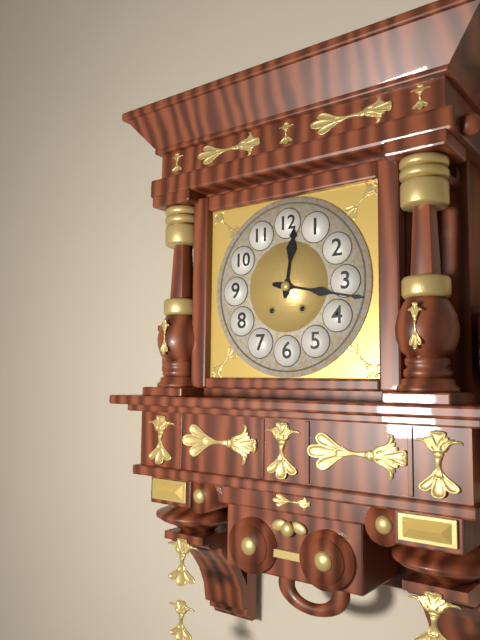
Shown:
**12:17**
